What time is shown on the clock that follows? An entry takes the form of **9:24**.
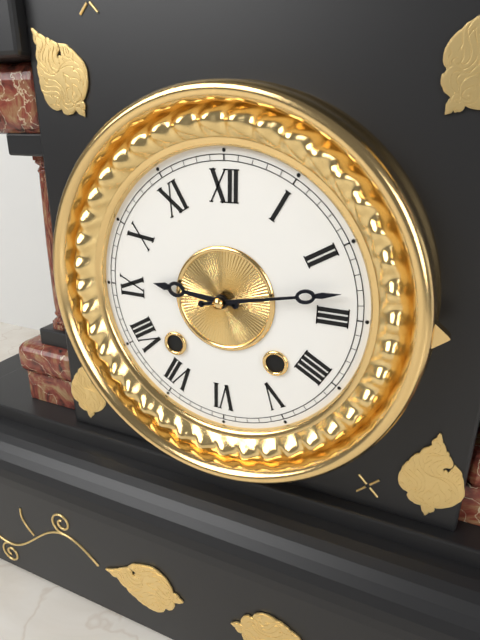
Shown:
**9:13**
